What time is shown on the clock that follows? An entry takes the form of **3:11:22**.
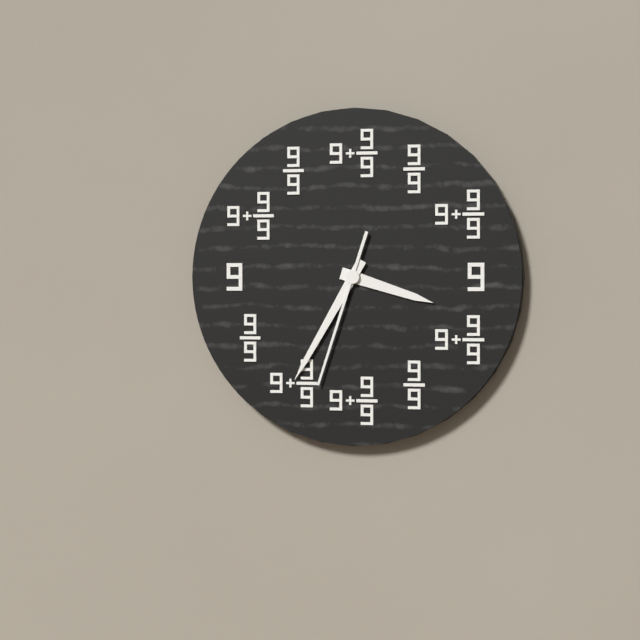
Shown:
**3:35:33**
